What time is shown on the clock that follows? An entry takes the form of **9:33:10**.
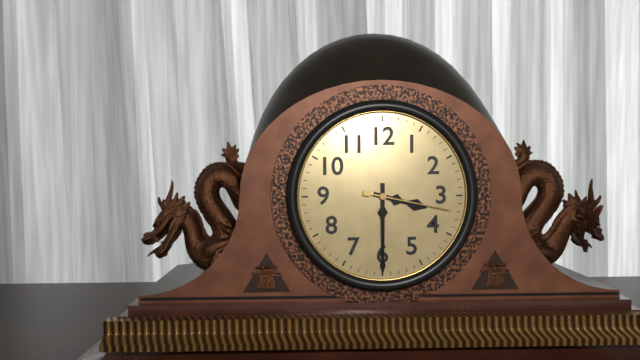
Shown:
**3:30:17**
